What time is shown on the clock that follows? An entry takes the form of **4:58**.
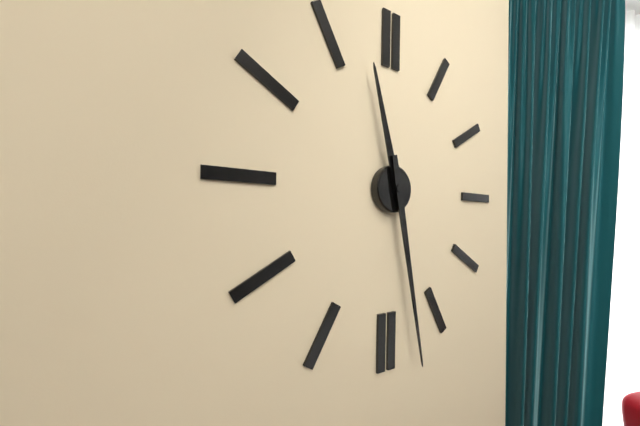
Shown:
**11:28**
